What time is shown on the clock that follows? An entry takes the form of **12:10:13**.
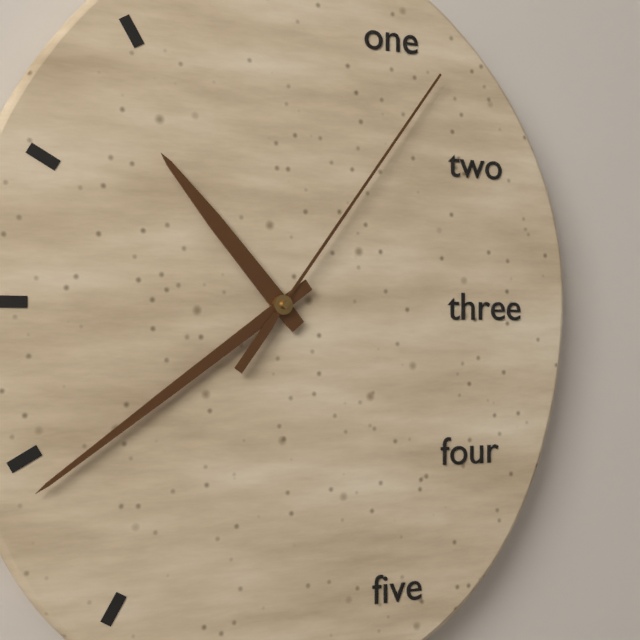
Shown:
**10:39:06**
